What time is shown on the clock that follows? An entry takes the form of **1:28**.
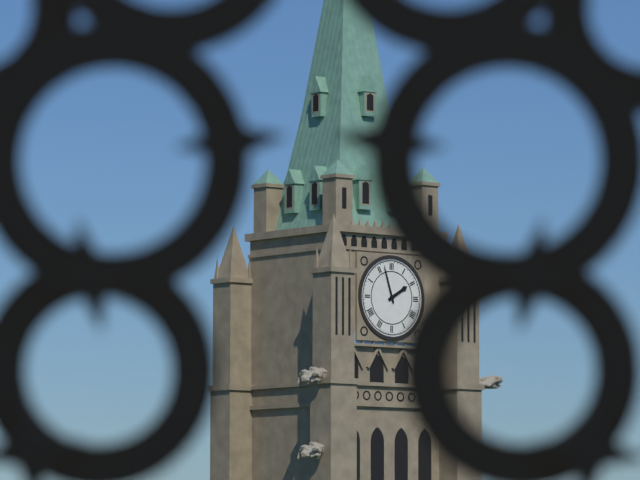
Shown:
**1:57**
